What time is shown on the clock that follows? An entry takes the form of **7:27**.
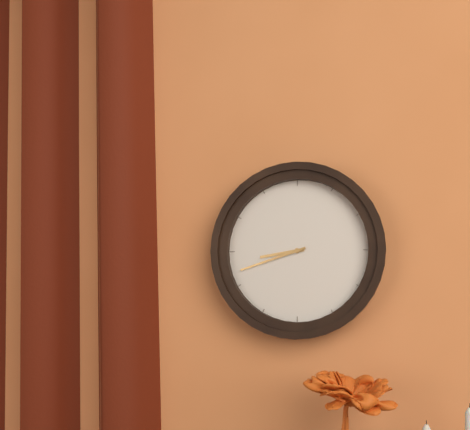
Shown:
**8:42**
